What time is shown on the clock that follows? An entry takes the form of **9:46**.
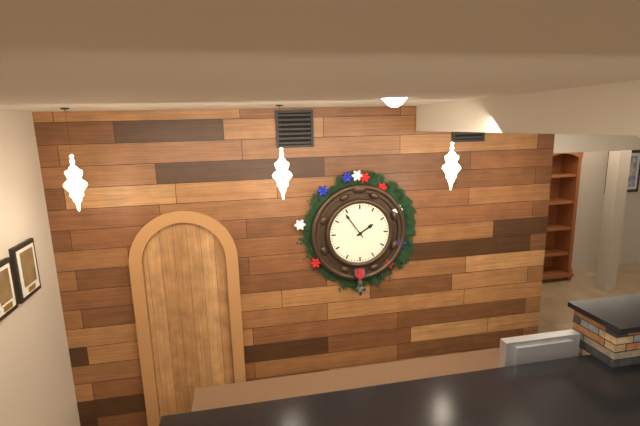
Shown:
**1:54**
